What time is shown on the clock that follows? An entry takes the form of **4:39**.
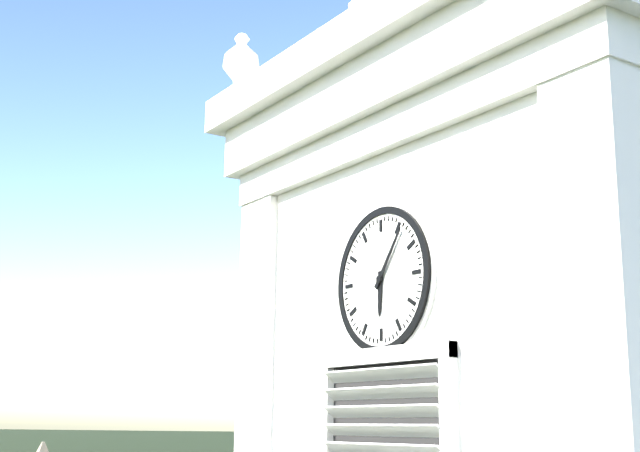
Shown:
**6:06**
